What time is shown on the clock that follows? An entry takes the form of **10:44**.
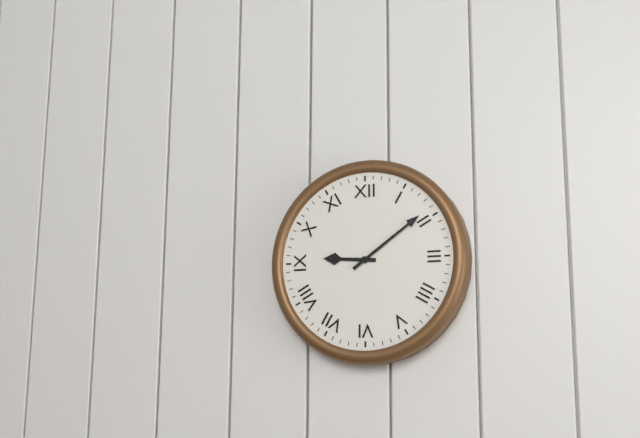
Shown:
**9:09**
